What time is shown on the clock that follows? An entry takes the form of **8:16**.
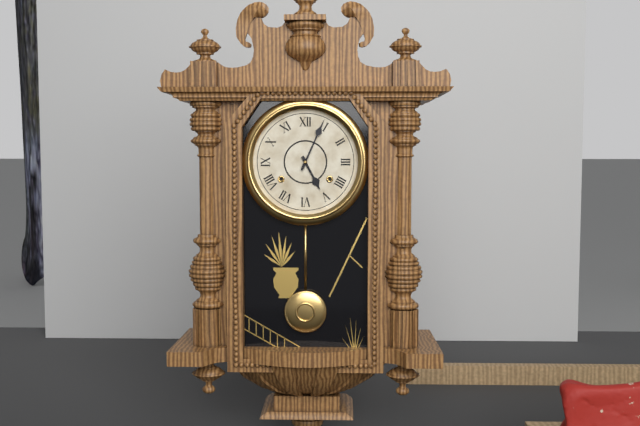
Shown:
**5:04**
